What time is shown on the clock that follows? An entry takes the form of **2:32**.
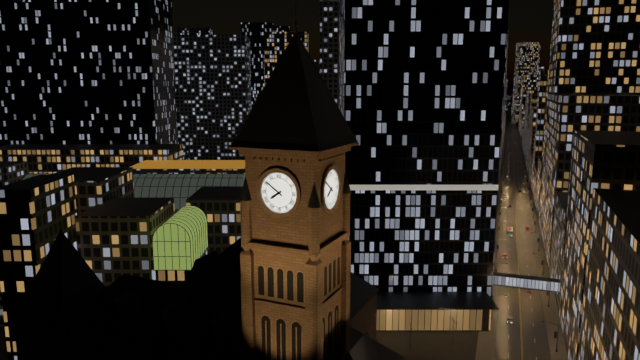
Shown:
**7:51**
